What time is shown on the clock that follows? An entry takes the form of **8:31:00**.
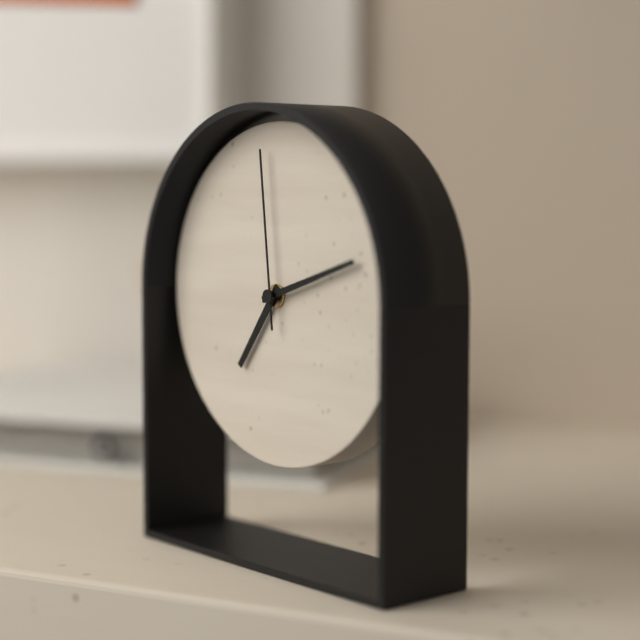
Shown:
**7:12:59**
